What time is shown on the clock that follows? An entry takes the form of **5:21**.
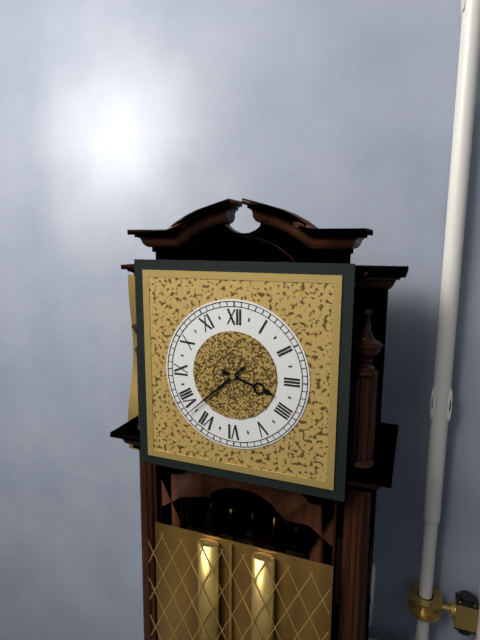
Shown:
**3:38**
